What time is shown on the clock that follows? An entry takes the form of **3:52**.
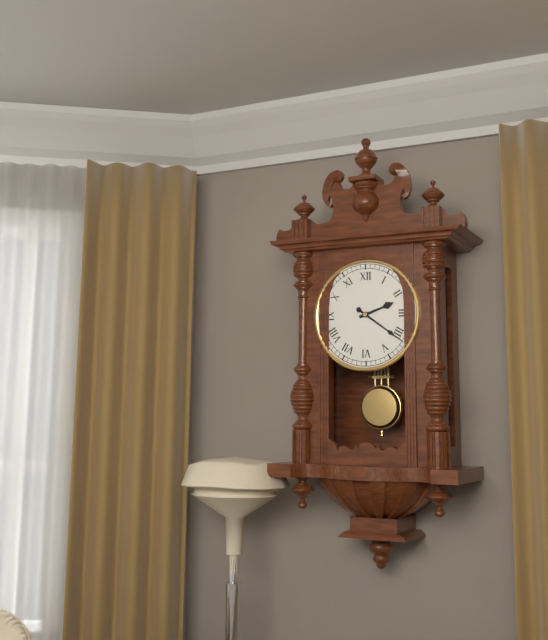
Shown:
**2:21**
